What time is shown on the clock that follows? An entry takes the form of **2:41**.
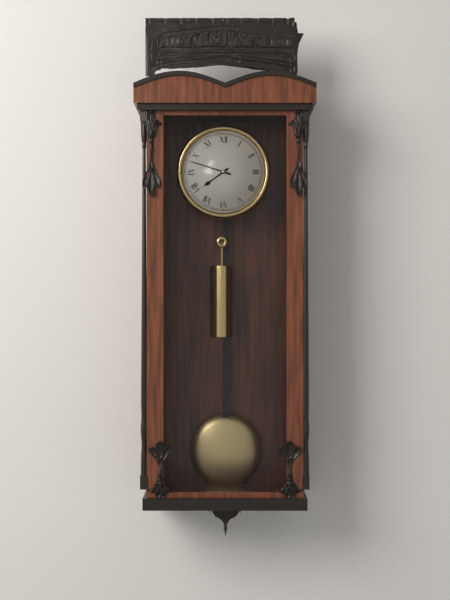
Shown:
**7:48**
